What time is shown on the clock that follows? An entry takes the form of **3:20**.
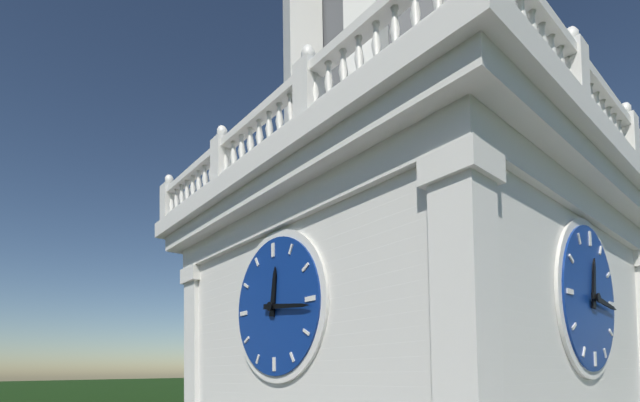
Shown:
**12:16**
